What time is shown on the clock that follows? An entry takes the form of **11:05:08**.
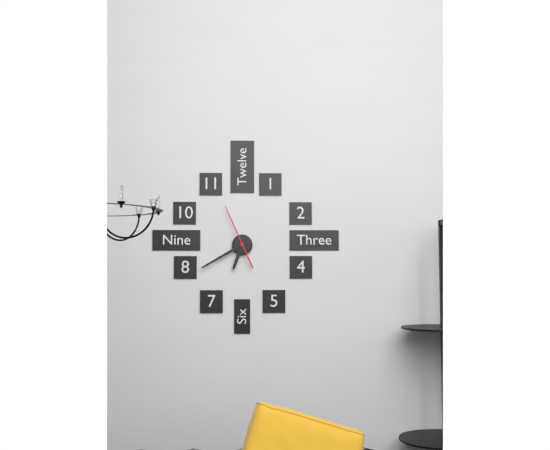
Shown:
**6:40:56**
